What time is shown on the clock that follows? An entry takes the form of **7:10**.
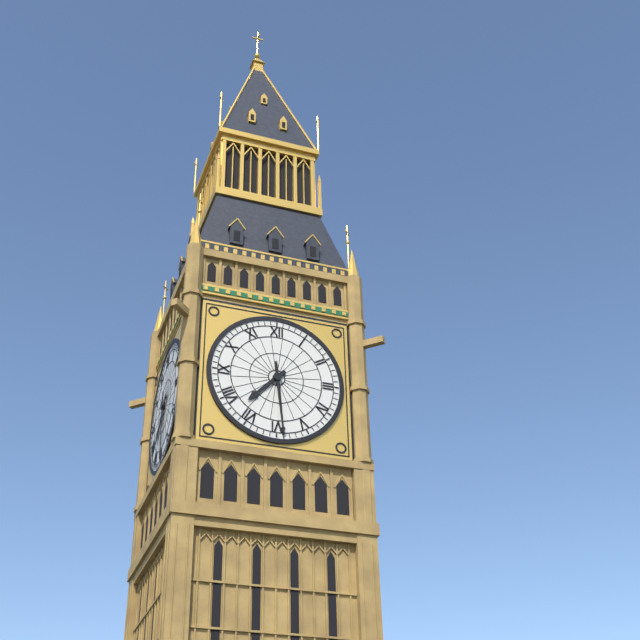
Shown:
**7:29**
